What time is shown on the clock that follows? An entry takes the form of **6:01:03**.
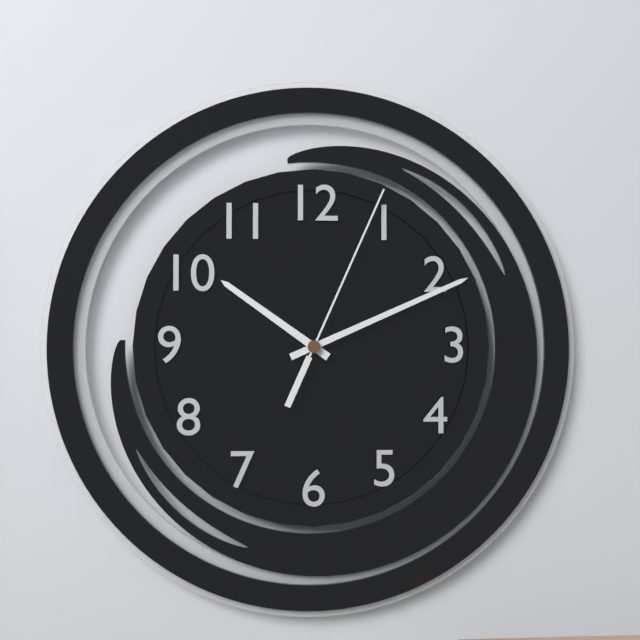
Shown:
**10:11:04**
